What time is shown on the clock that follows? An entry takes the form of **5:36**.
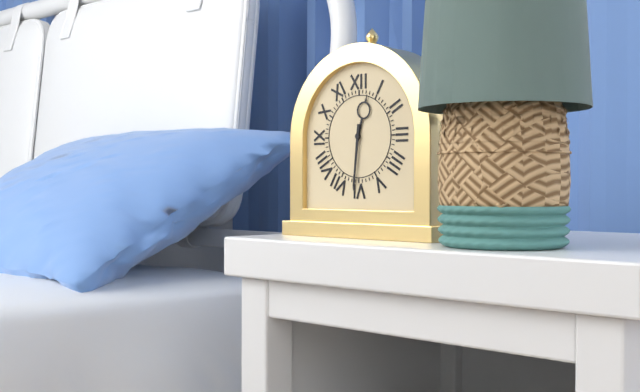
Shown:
**12:31**
